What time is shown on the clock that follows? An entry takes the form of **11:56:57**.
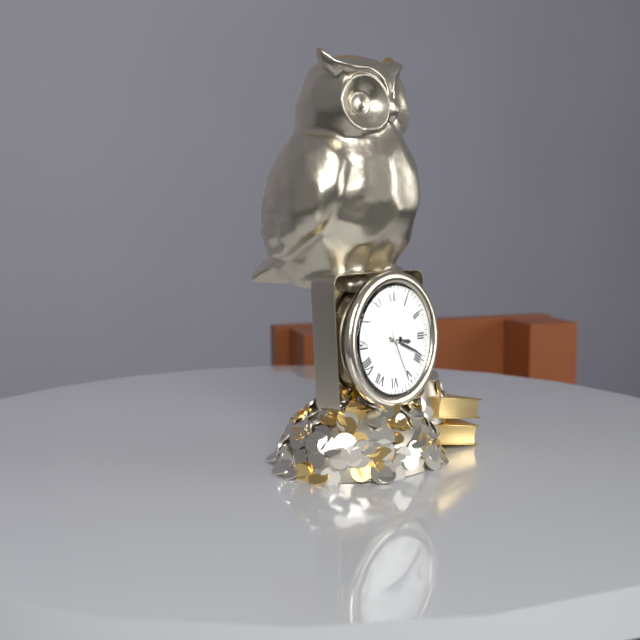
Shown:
**3:19:26**
